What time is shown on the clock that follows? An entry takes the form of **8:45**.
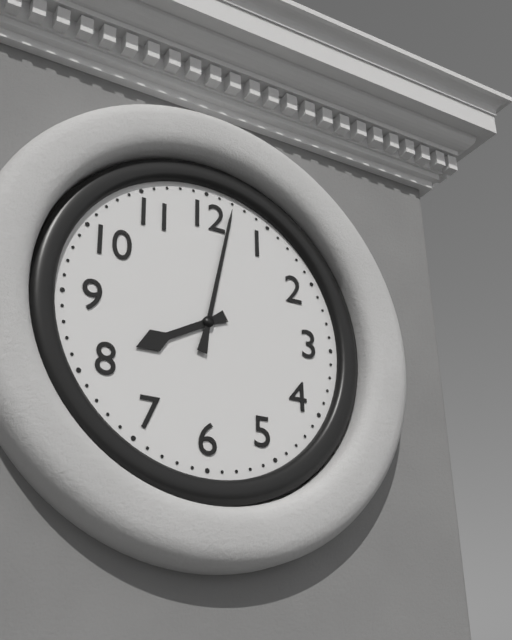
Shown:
**8:02**
